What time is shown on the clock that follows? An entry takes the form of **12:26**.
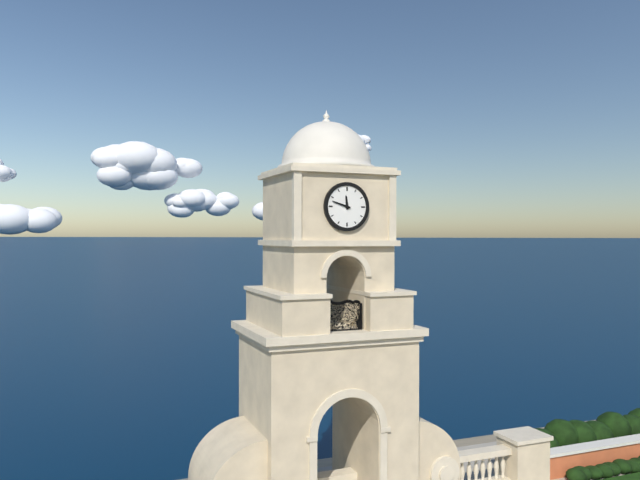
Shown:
**11:48**
